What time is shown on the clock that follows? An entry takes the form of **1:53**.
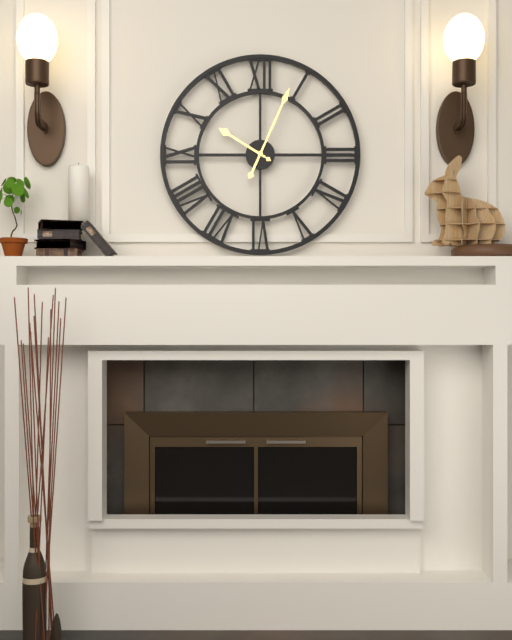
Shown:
**10:04**
